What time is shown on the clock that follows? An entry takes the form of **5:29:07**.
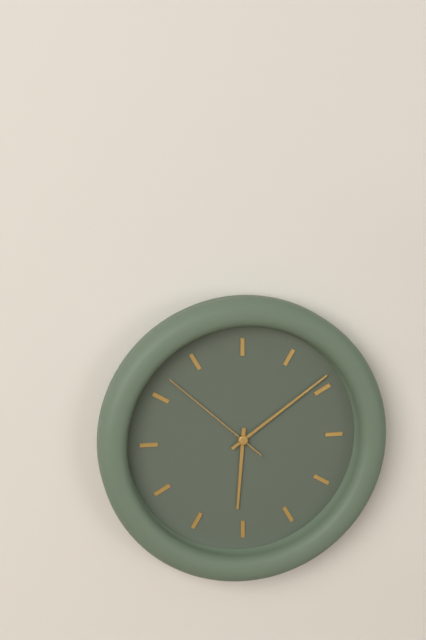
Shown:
**6:09:52**
